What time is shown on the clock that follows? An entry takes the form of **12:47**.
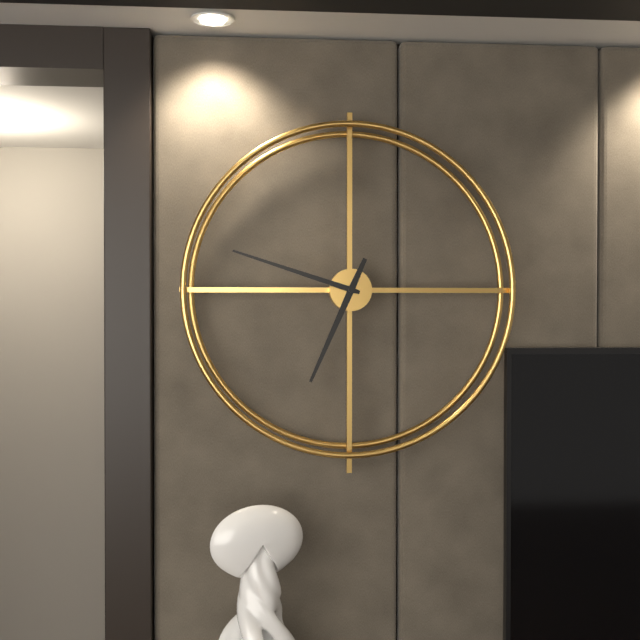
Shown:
**6:48**
